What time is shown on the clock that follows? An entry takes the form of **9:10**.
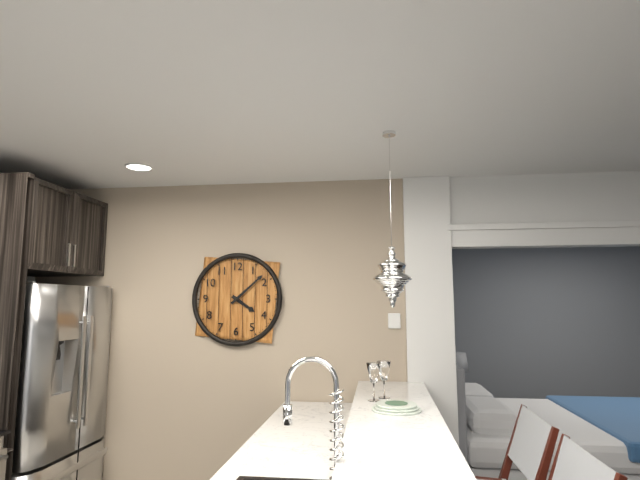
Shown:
**4:08**
